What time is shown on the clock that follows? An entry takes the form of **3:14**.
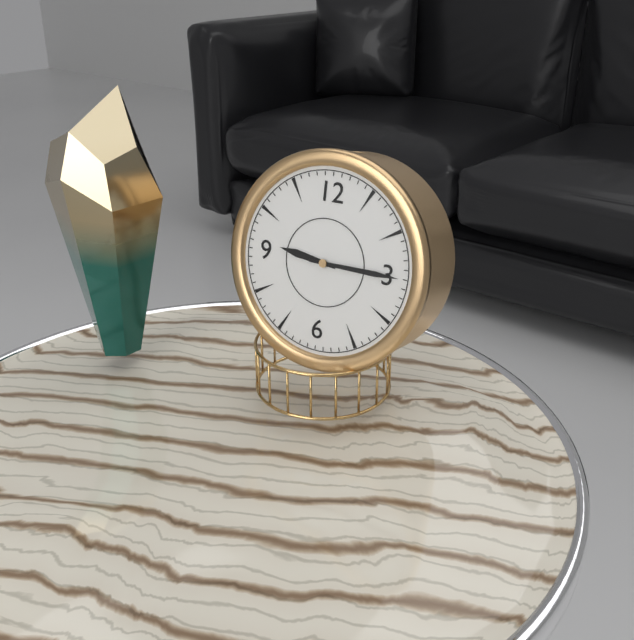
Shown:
**9:15**
